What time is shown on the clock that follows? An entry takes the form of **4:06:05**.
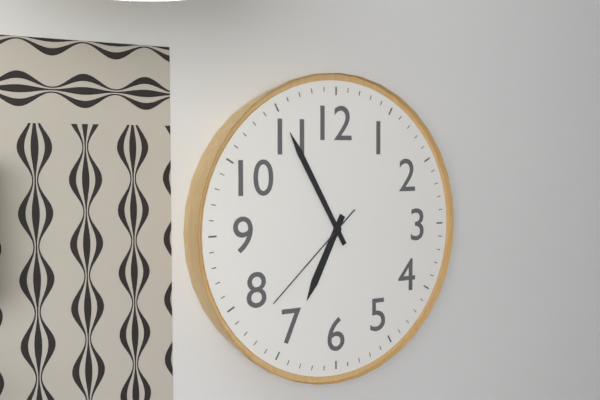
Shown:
**6:55:38**
